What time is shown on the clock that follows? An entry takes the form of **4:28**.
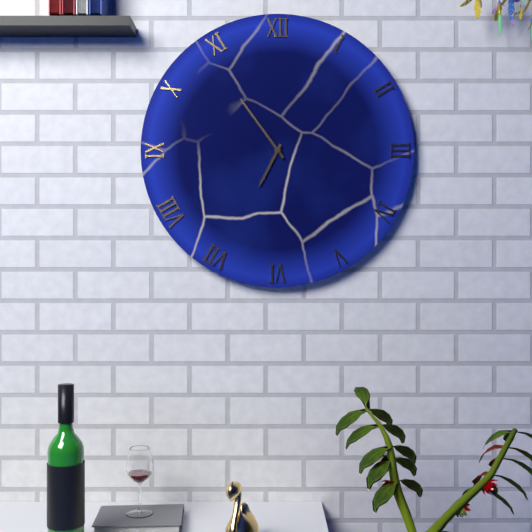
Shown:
**6:54**
